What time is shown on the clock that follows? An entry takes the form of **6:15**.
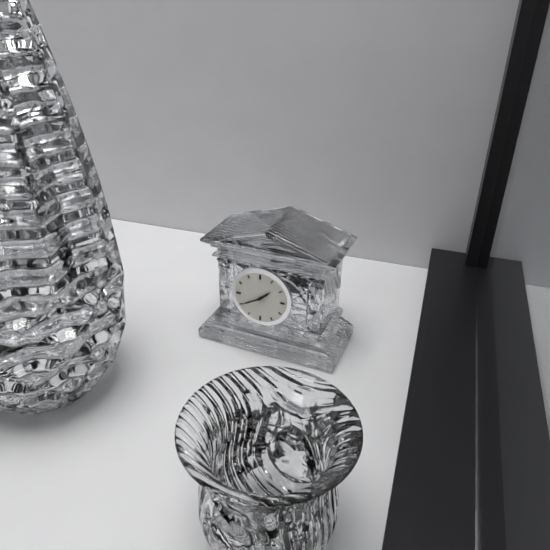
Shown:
**1:40**
